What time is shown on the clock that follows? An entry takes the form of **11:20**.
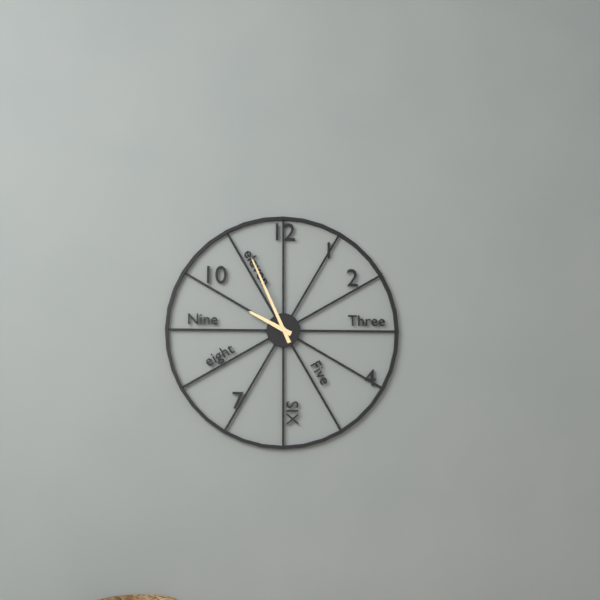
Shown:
**9:56**
